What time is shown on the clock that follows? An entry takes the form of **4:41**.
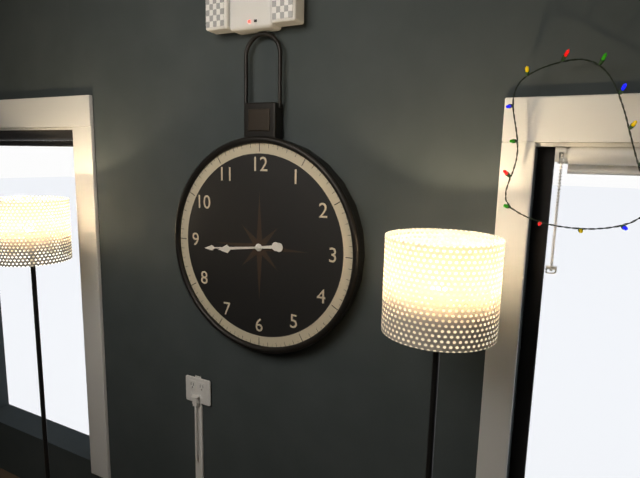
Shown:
**8:44**
